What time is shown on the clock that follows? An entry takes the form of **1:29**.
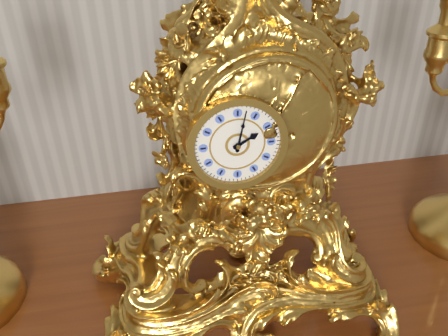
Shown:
**2:02**
